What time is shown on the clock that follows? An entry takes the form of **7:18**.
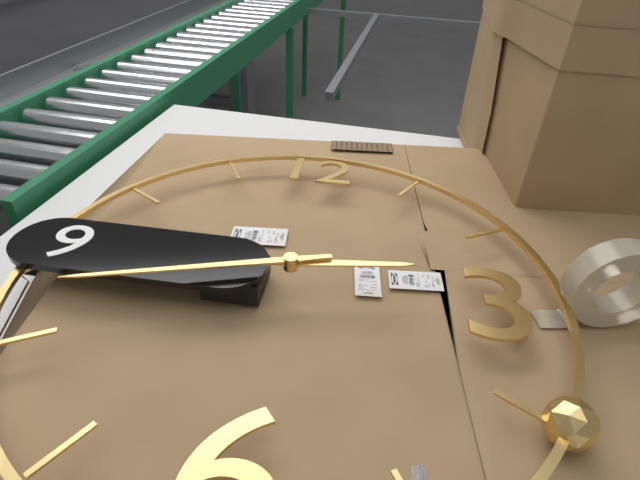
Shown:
**2:42**
